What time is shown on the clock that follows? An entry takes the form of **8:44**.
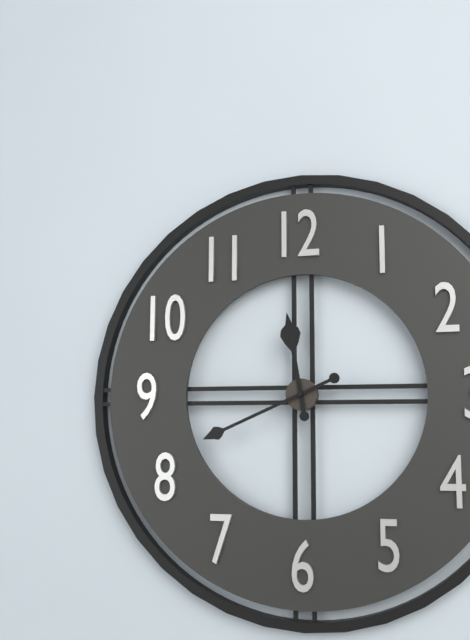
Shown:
**11:41**
